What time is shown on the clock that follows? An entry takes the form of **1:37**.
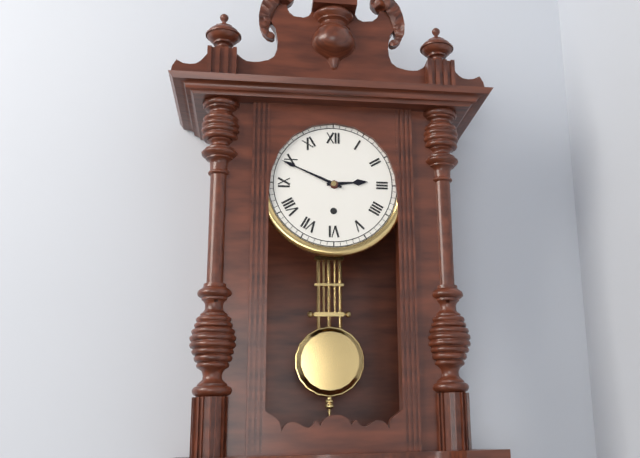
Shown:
**2:49**
